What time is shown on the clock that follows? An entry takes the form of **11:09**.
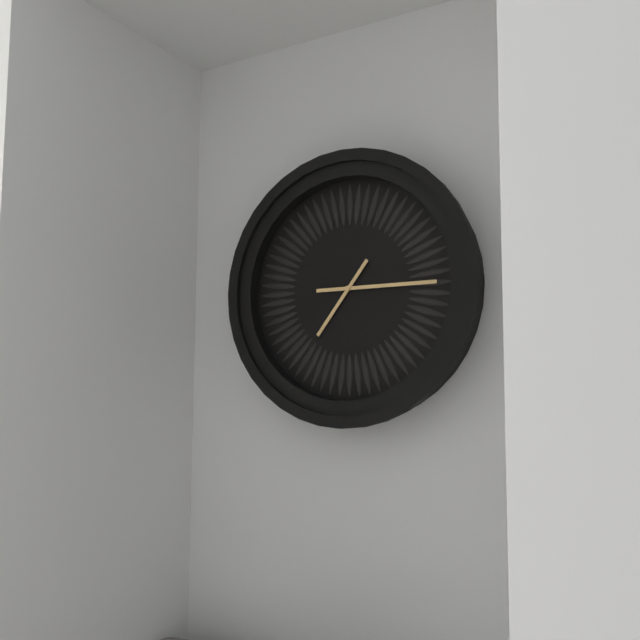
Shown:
**7:15**
